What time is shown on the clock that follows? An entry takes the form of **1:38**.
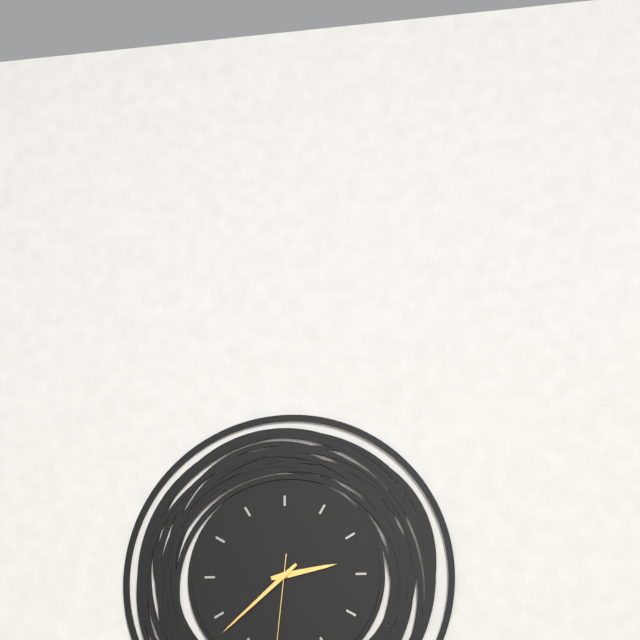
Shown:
**2:38**
